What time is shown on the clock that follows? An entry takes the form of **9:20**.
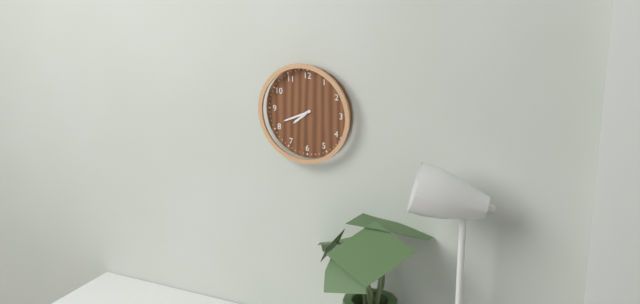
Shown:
**7:41**
